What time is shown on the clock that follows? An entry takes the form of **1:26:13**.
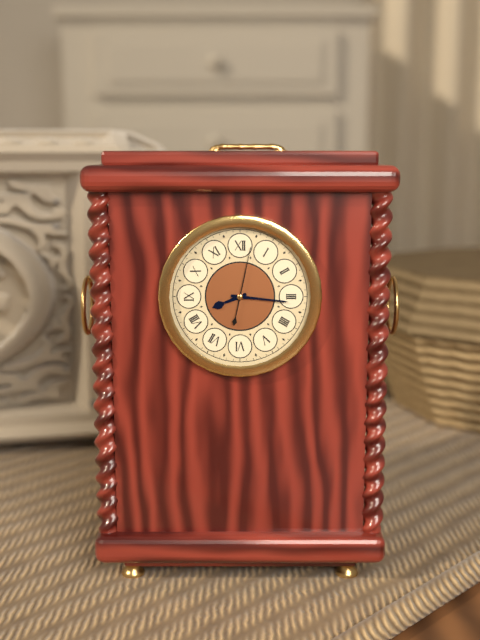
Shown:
**8:16:02**
